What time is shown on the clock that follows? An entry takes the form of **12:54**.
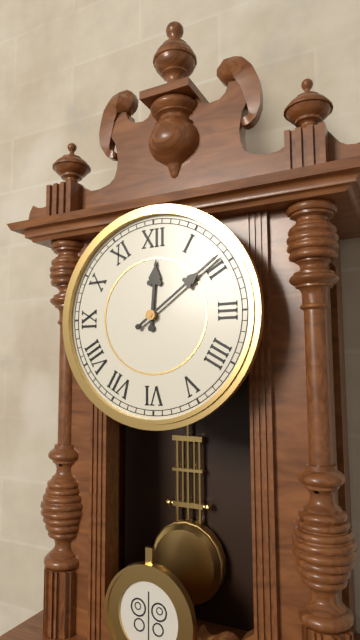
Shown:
**12:09**
